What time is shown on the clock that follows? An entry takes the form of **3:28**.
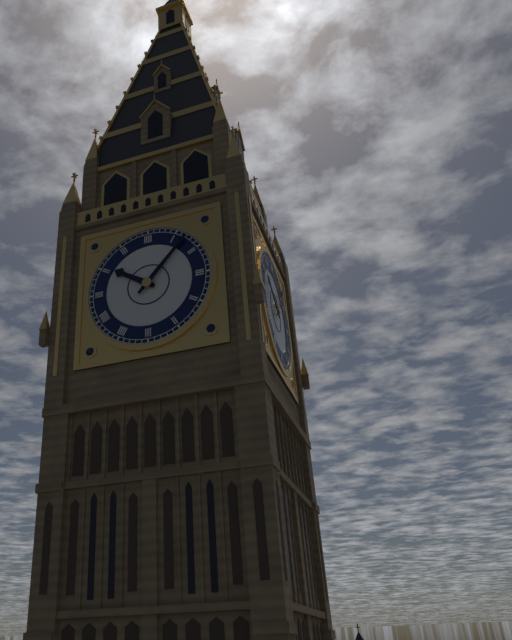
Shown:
**10:07**
